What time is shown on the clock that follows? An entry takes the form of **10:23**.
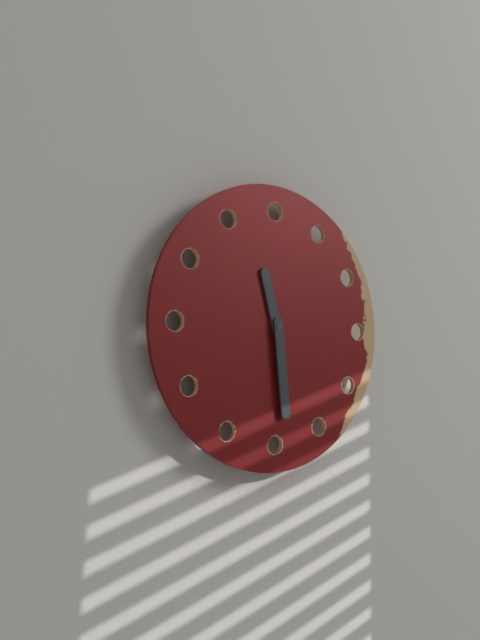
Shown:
**11:29**
